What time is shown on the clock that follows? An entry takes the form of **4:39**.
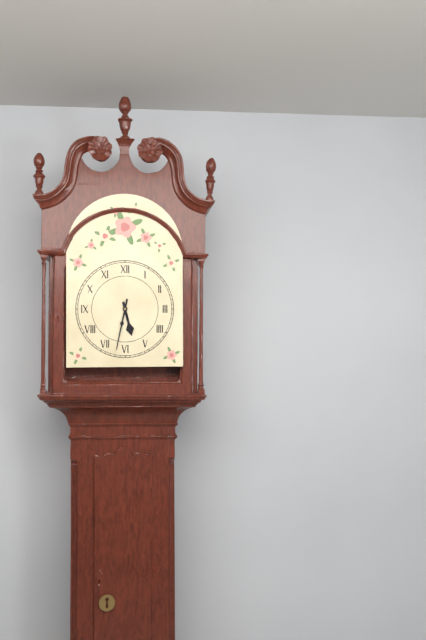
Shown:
**5:32**
